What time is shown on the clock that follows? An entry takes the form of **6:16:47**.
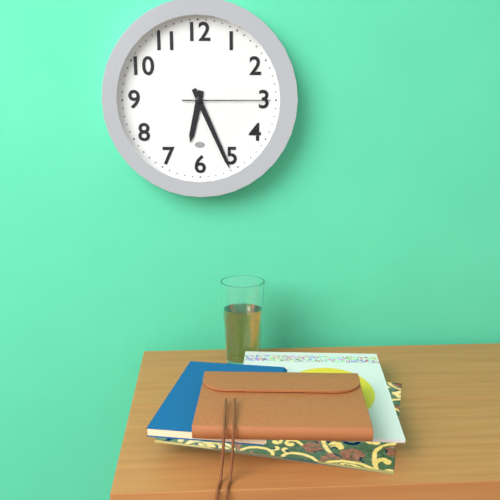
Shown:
**6:26:15**
